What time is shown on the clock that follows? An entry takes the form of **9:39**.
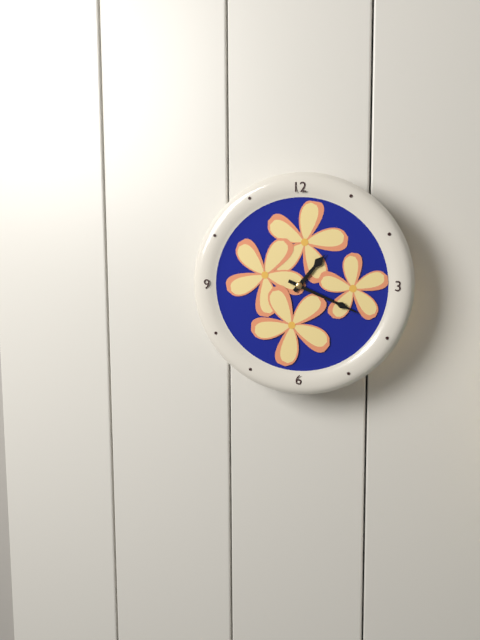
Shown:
**1:19**
